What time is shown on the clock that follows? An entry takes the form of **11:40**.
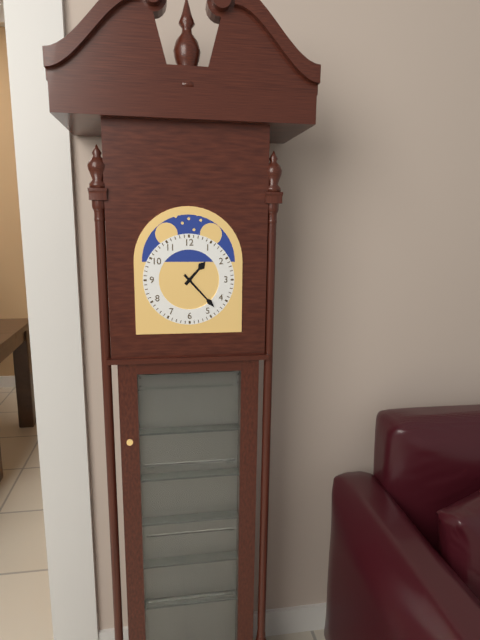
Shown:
**1:23**
